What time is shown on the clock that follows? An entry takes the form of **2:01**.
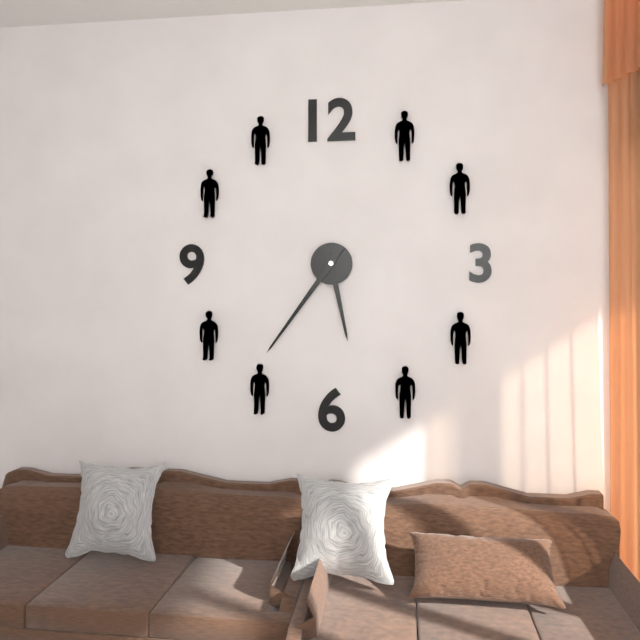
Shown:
**5:36**
